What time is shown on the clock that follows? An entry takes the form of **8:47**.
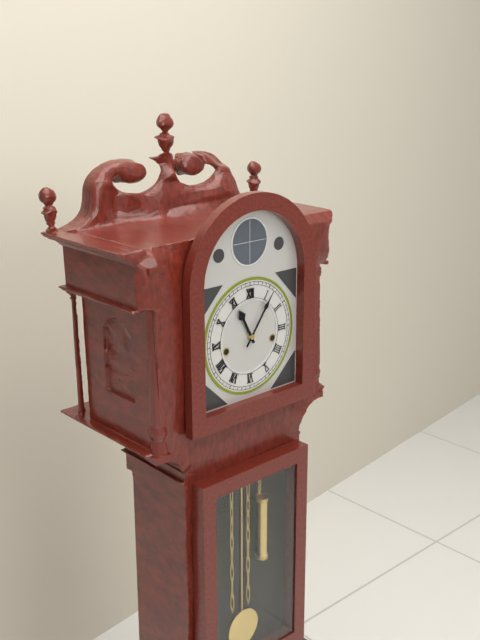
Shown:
**11:06**
